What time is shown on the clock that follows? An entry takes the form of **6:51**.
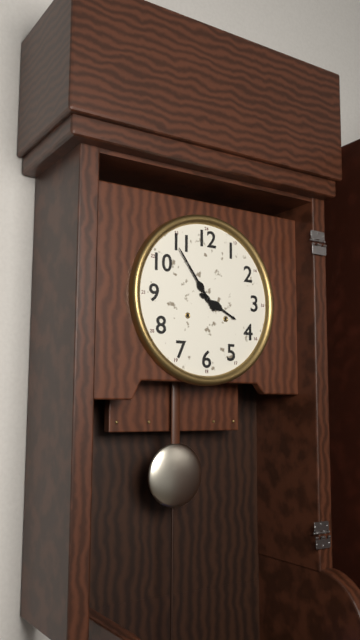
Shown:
**3:54**
